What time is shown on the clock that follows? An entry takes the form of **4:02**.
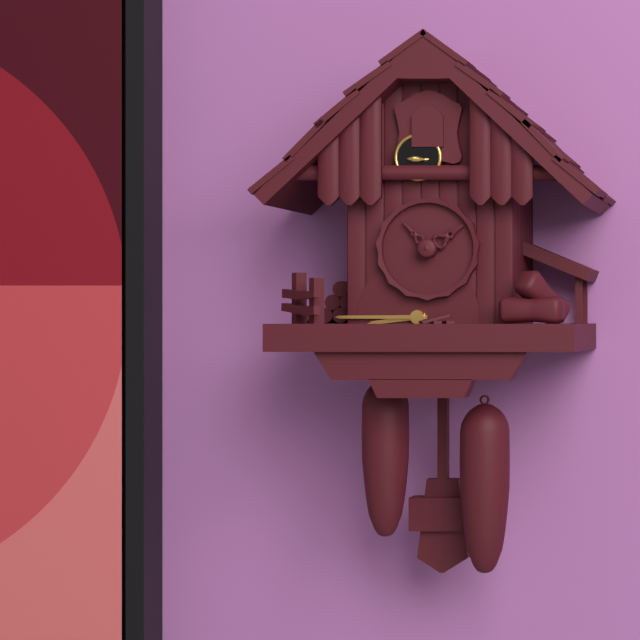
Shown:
**8:45**
